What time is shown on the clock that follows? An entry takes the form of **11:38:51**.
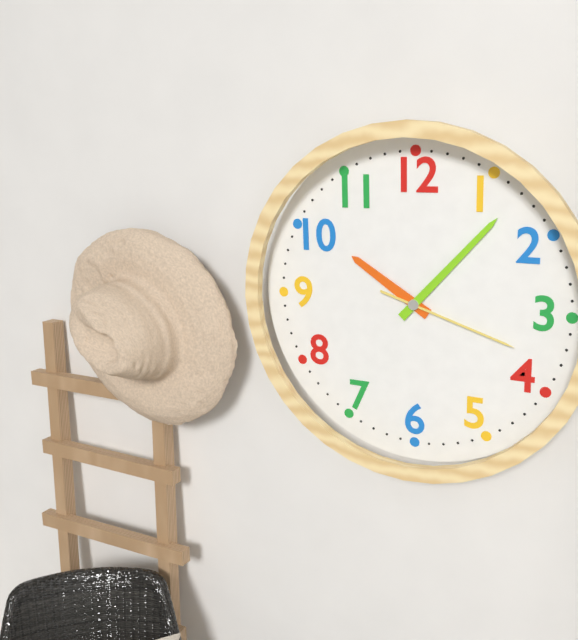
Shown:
**10:07:18**
